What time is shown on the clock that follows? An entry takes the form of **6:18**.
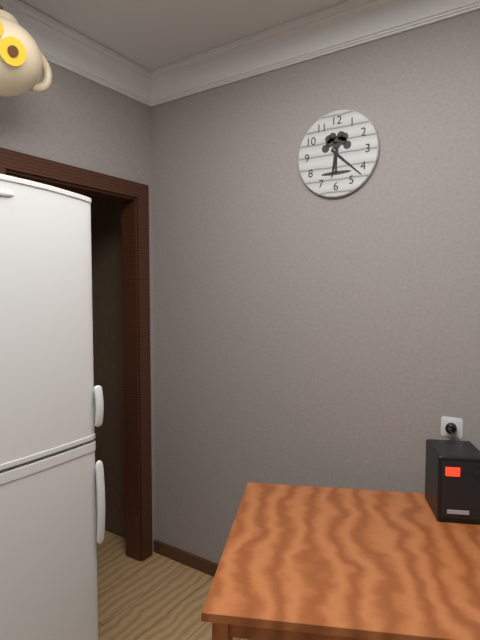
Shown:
**6:22**
